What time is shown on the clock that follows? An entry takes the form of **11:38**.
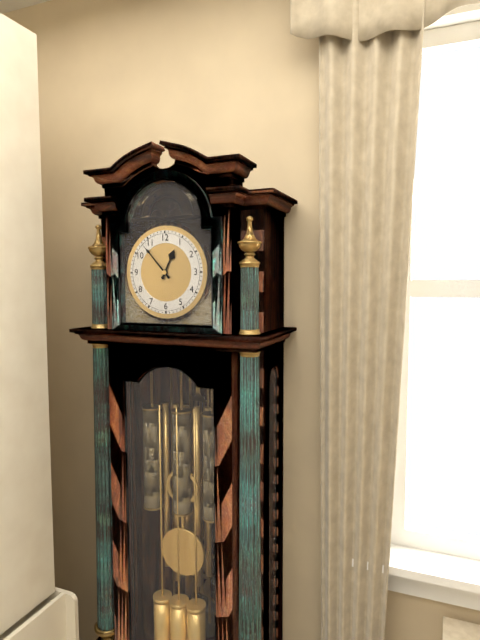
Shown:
**12:53**
